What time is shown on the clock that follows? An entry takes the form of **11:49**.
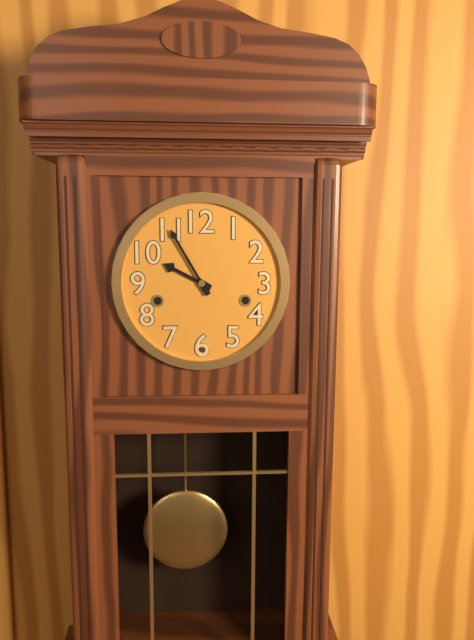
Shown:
**9:55**
